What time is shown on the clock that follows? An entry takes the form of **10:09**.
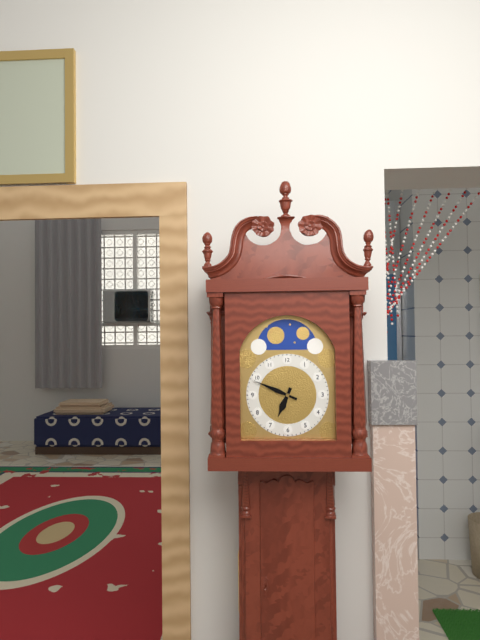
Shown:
**6:49**
